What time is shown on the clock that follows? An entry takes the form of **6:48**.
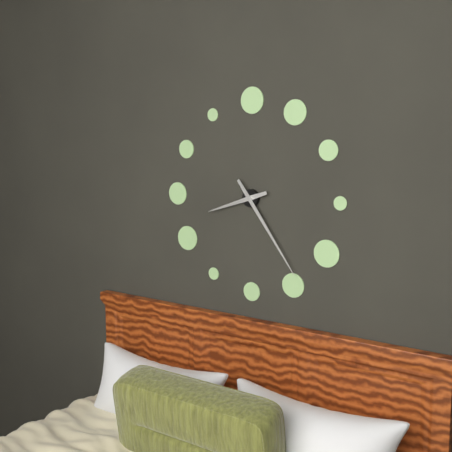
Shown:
**8:24**
